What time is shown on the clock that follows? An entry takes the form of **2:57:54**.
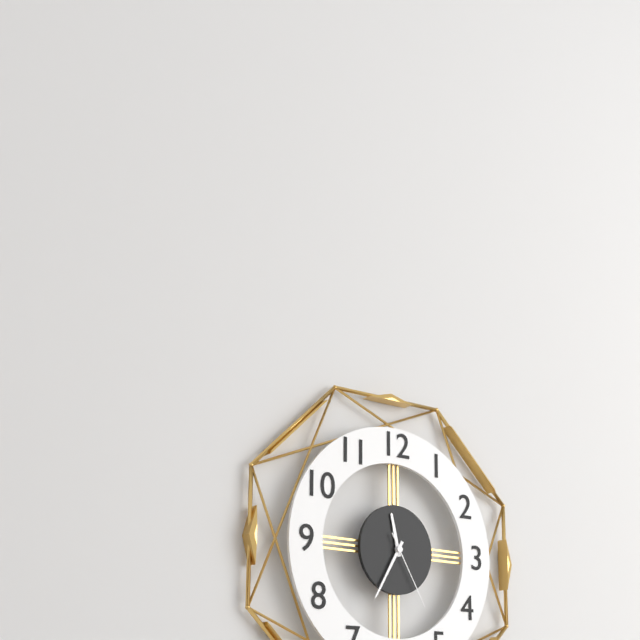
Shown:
**11:35:25**
